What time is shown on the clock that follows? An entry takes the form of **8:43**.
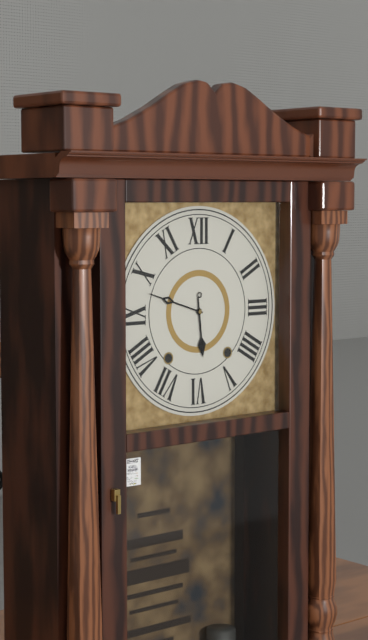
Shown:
**5:48**
